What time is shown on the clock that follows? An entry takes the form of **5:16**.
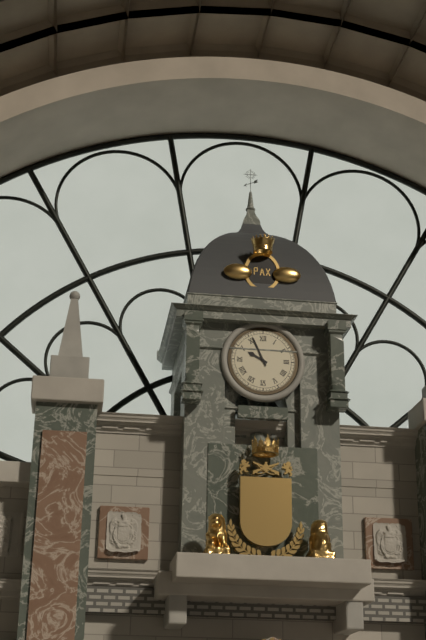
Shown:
**9:56**
